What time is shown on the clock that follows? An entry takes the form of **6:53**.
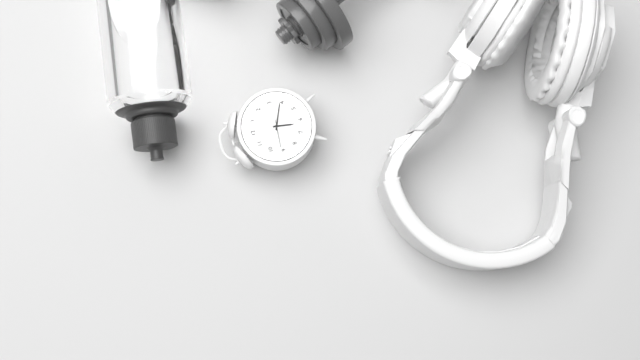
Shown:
**6:19**
